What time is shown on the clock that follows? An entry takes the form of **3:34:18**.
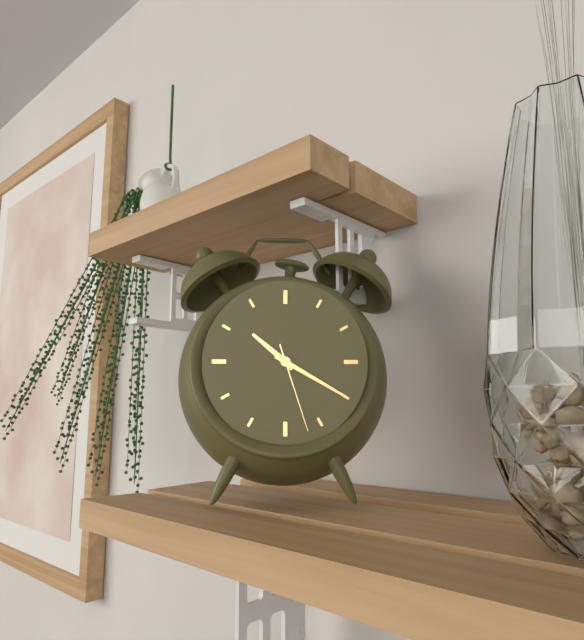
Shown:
**10:20:27**
